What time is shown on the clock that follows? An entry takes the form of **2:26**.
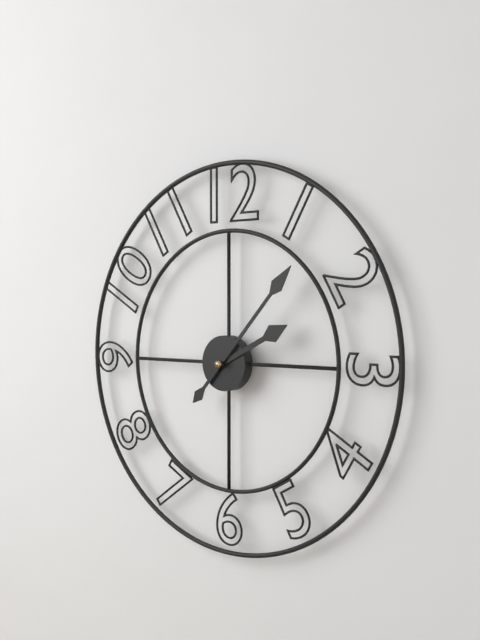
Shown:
**2:07**
